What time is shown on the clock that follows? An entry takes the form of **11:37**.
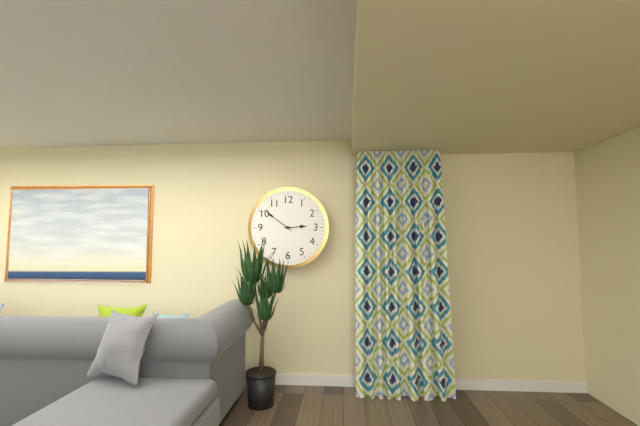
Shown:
**2:51**
